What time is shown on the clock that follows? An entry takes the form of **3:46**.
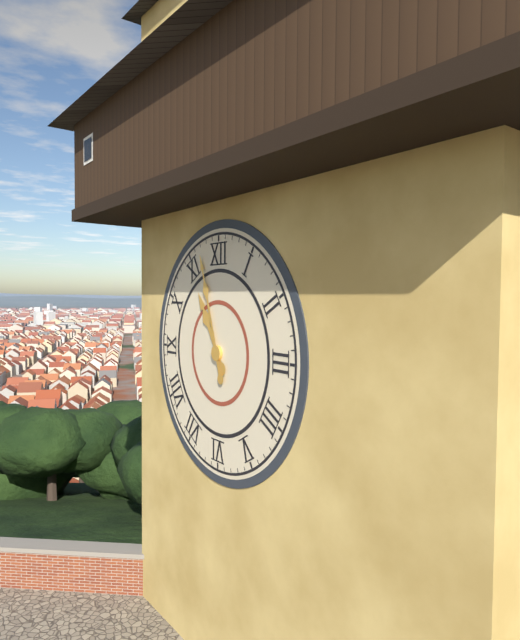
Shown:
**10:57**
